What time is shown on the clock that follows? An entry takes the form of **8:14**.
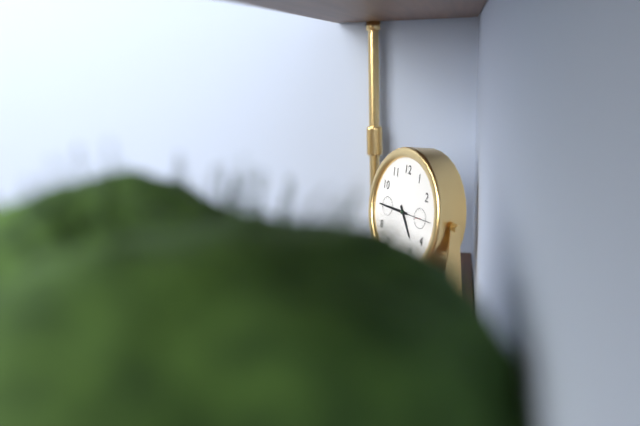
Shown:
**4:45**
